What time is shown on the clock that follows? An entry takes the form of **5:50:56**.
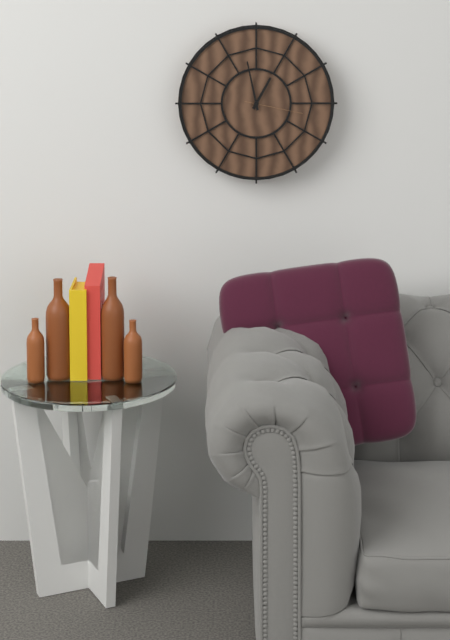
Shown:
**12:58:17**
